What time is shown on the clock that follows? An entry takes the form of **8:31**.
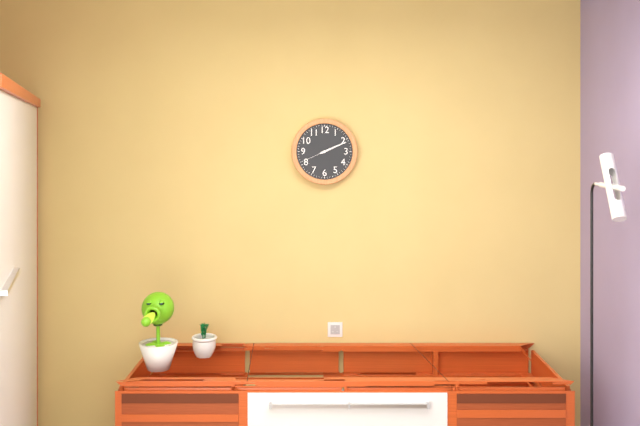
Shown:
**2:11**
